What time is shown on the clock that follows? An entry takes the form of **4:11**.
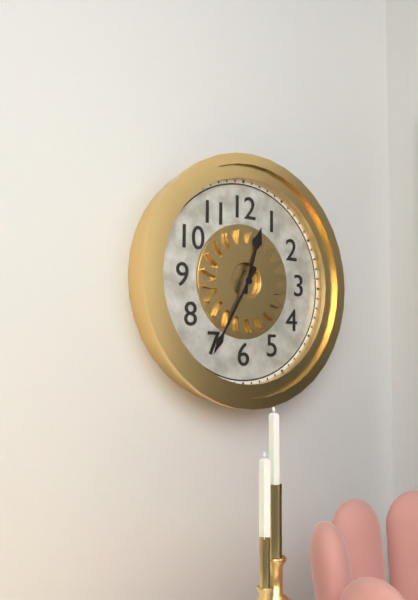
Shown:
**12:35**
